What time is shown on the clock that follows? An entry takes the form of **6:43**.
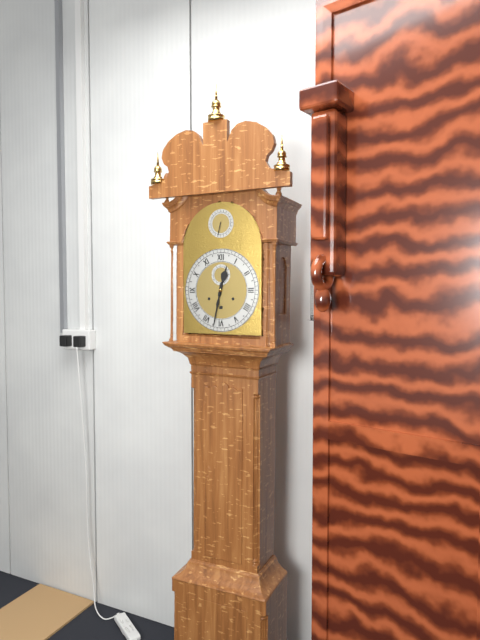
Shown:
**12:32**
